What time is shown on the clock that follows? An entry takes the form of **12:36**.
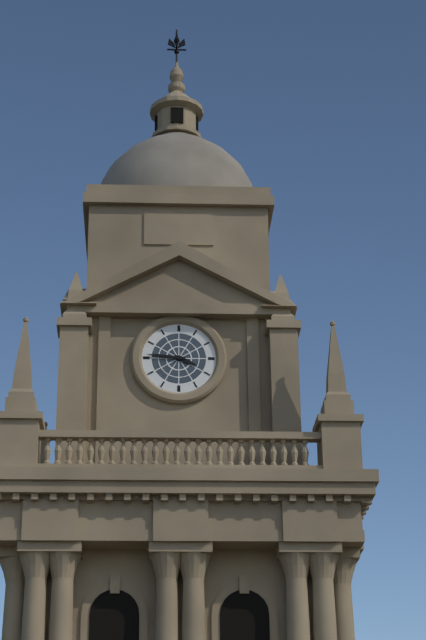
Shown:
**3:46**
